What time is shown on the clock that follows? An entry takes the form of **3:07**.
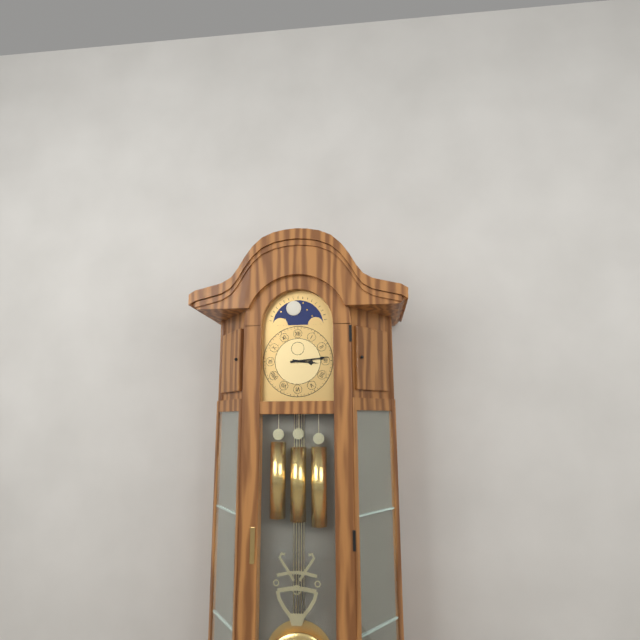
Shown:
**3:14**
